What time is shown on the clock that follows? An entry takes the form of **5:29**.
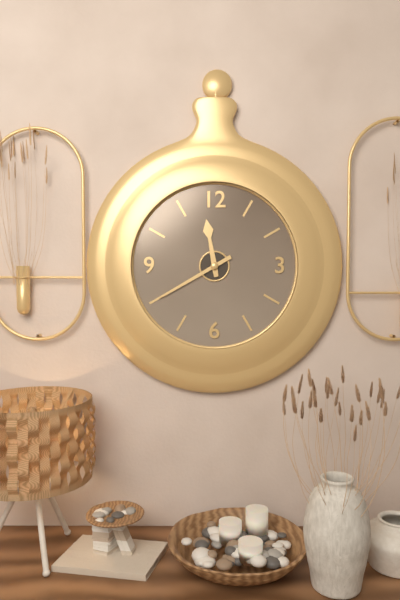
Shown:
**11:40**
